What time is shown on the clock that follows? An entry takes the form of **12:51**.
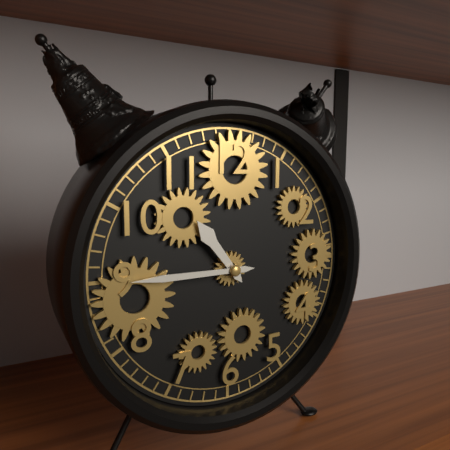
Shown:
**10:45**
